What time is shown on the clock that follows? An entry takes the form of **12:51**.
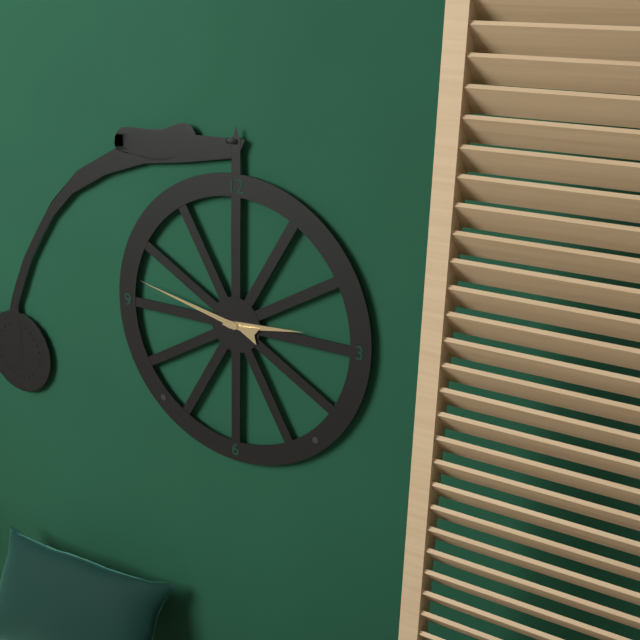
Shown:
**2:47**
